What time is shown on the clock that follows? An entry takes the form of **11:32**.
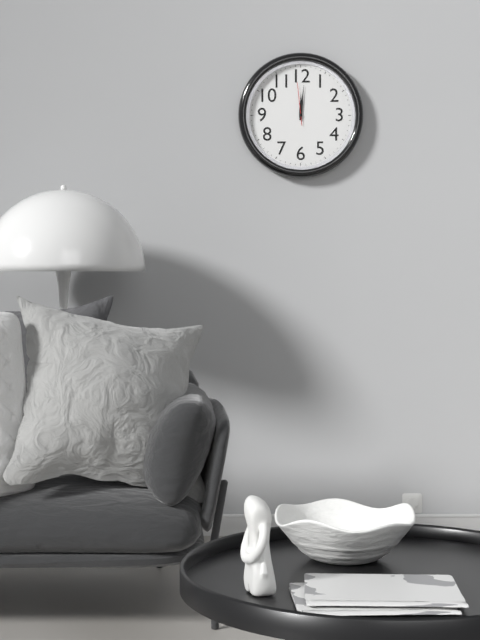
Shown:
**12:01**
